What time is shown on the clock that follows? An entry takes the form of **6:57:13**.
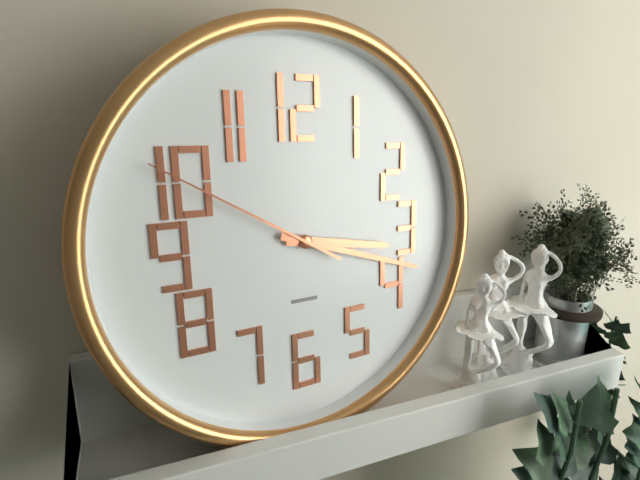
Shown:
**3:18:50**
